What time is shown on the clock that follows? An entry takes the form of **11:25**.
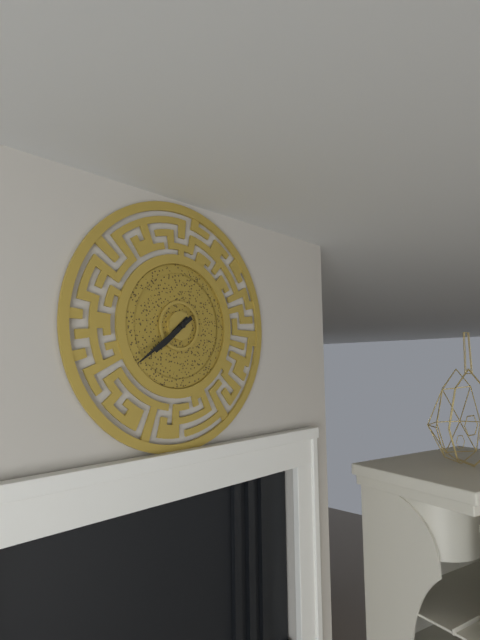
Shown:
**7:39**
